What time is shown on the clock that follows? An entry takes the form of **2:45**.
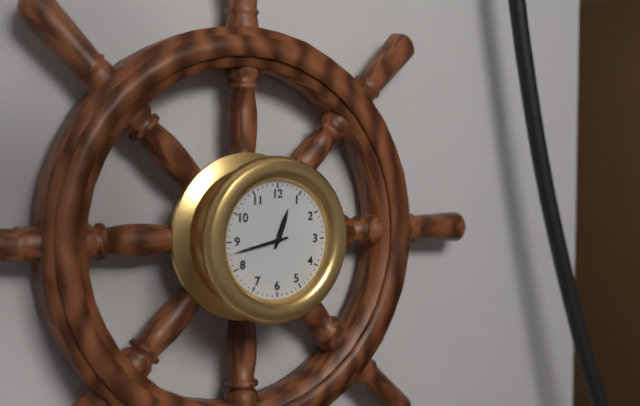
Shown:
**12:43**
